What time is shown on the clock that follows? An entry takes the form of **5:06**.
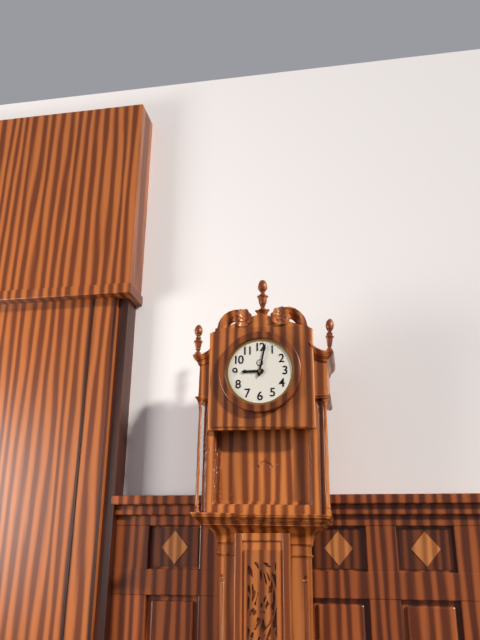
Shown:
**9:02**
